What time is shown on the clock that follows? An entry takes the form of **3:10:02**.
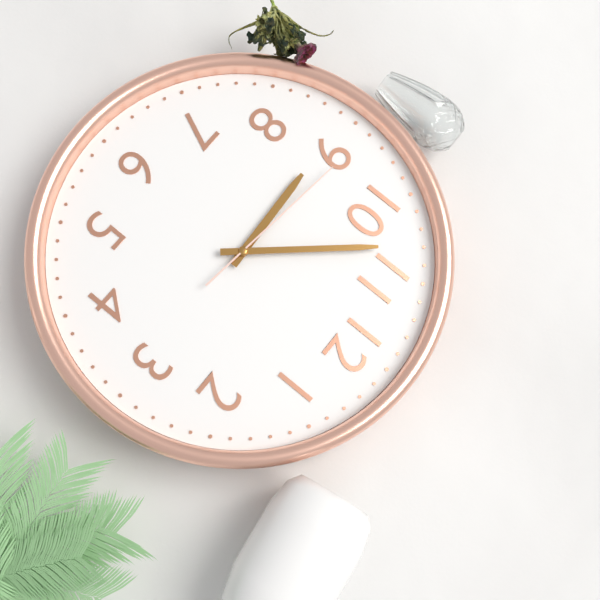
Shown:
**8:53:46**
